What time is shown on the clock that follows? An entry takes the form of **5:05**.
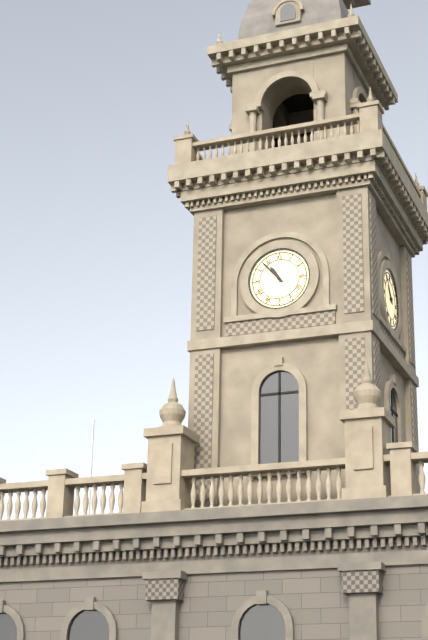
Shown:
**10:53**
